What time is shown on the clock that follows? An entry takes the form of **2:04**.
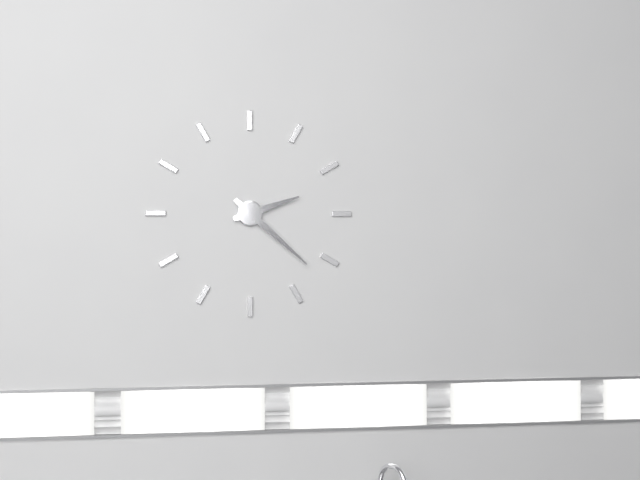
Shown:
**2:22**
